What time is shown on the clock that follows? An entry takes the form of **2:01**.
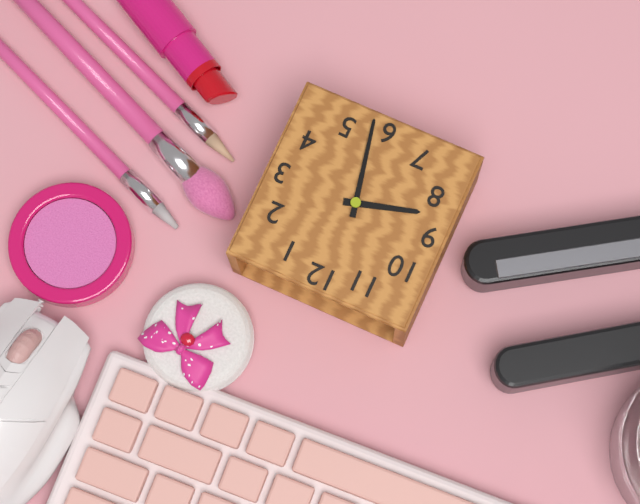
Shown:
**8:28**
